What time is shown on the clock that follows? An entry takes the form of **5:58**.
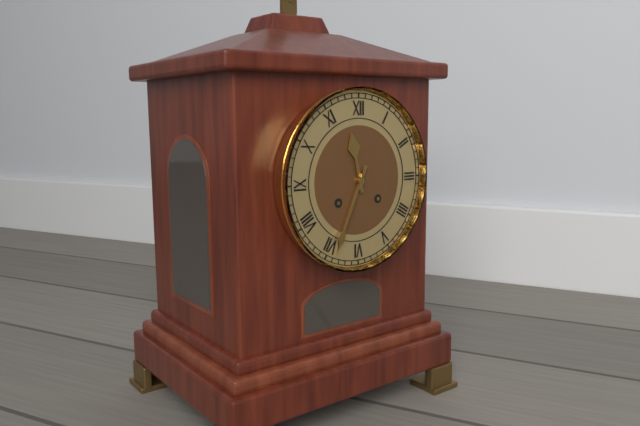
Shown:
**11:34**
